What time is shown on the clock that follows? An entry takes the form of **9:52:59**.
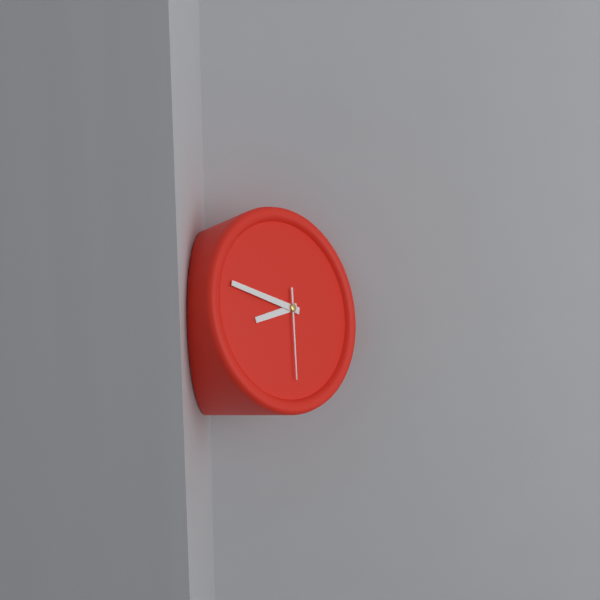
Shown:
**8:49:32**
